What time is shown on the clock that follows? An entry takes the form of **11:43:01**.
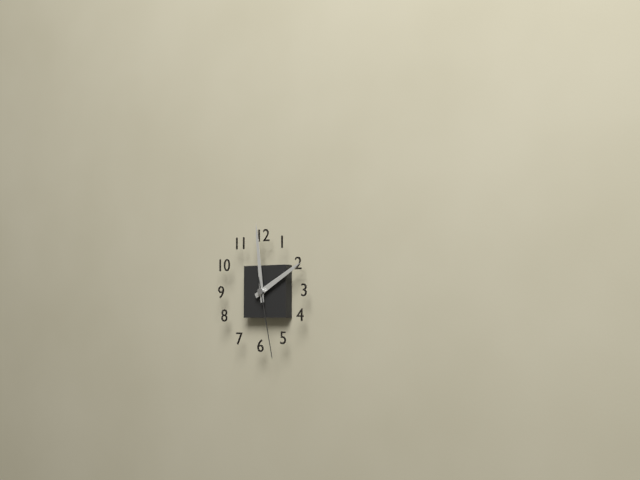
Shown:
**1:59:28**
